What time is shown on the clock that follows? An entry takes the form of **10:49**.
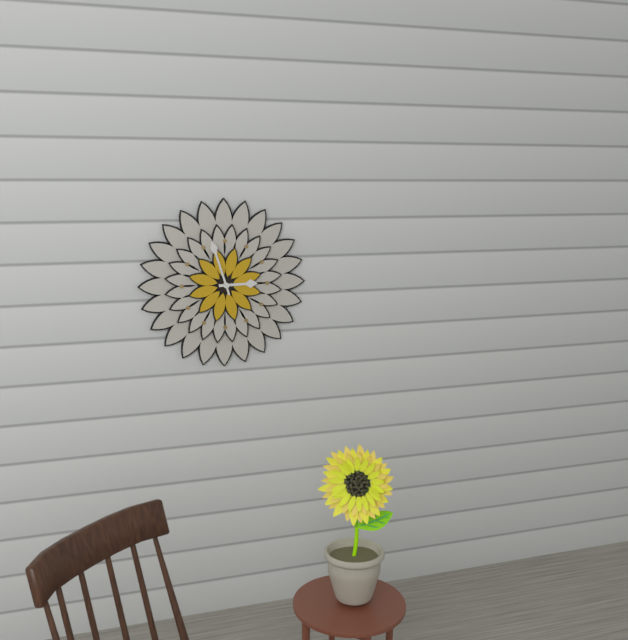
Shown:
**2:57**
